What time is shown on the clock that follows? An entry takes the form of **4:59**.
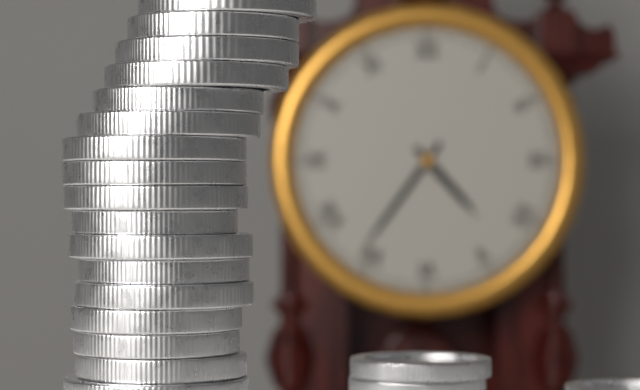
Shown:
**4:36**
